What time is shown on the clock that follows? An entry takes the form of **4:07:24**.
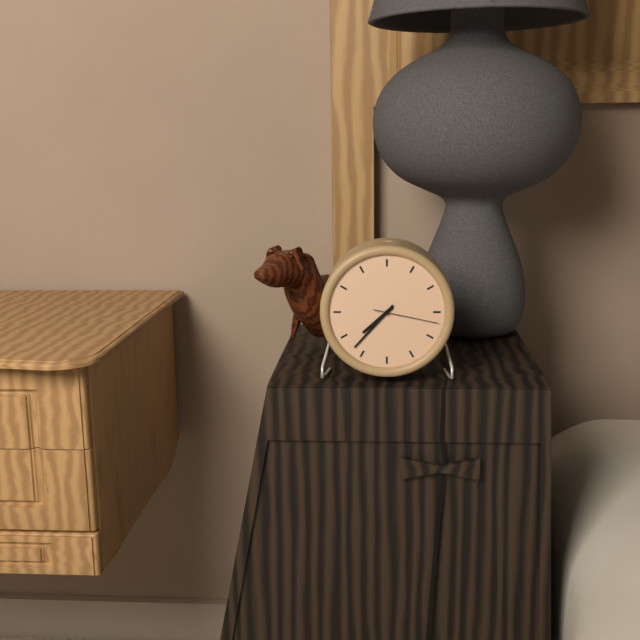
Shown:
**7:37:17**
